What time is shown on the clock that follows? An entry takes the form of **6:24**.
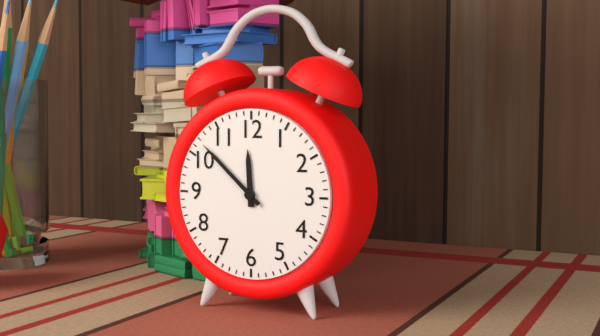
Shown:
**11:52**
